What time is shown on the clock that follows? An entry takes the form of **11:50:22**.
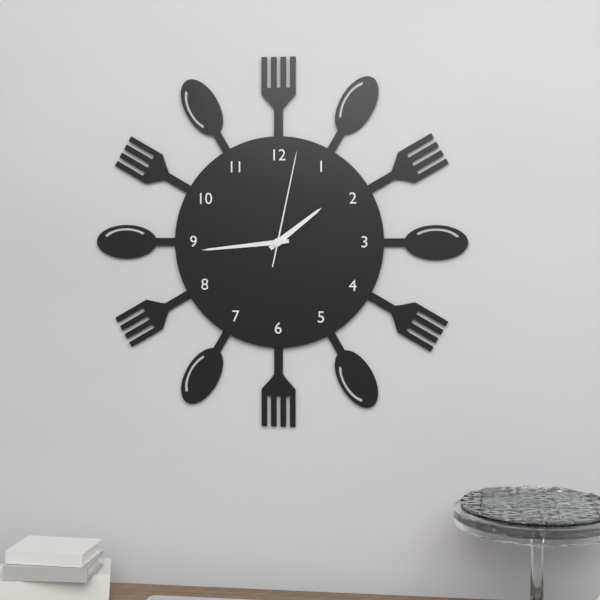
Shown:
**1:44:02**
